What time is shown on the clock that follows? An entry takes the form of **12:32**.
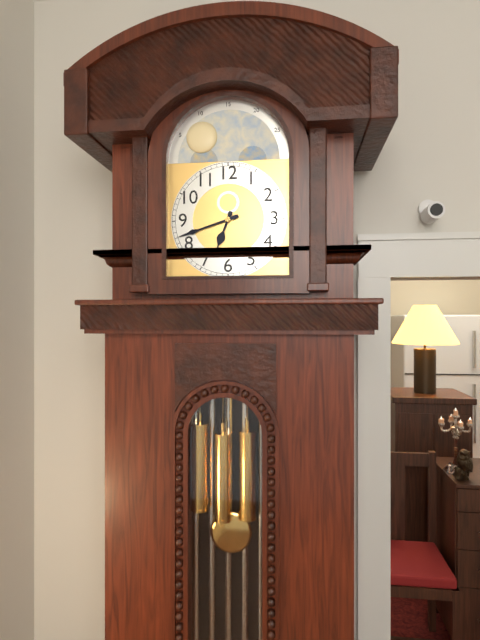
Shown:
**6:42**
